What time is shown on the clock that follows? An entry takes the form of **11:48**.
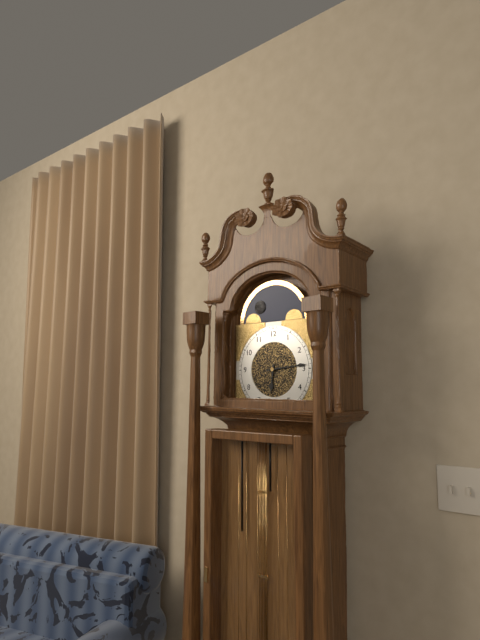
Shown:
**6:14**
